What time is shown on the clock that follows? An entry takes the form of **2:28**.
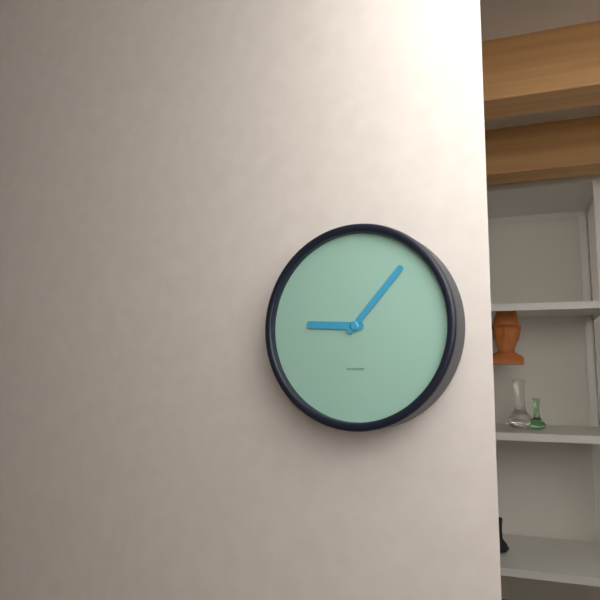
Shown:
**9:07**
